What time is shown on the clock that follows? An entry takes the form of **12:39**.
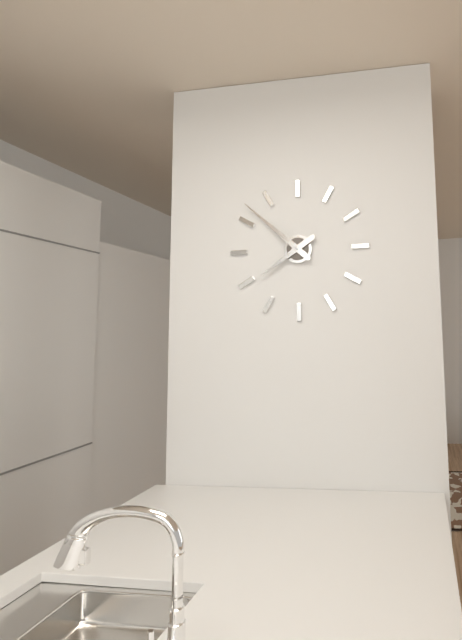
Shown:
**7:52**
